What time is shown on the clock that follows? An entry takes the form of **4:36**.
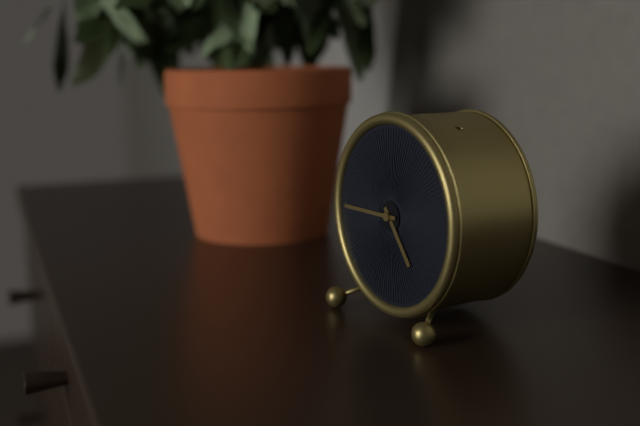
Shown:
**4:45**
